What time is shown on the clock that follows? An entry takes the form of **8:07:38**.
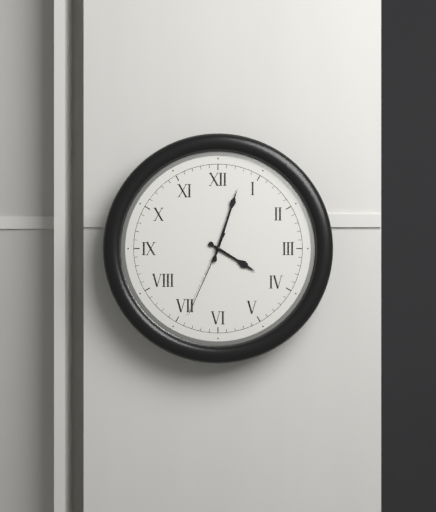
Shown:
**4:03:34**
